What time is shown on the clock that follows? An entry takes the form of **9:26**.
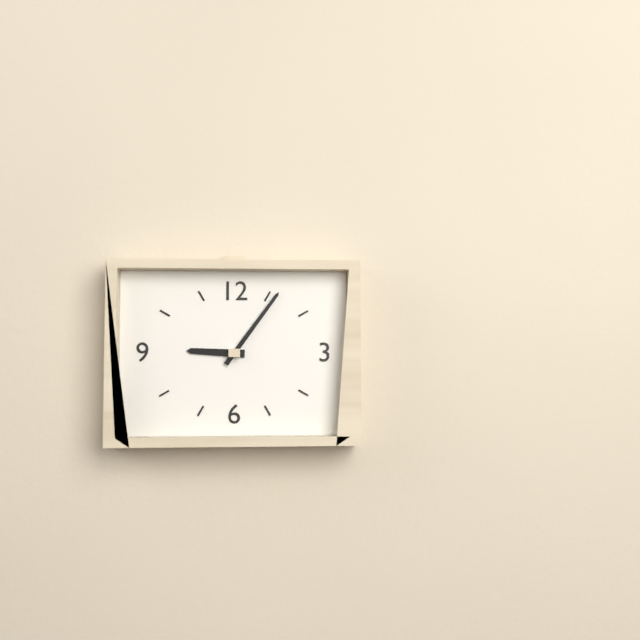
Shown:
**9:06**
